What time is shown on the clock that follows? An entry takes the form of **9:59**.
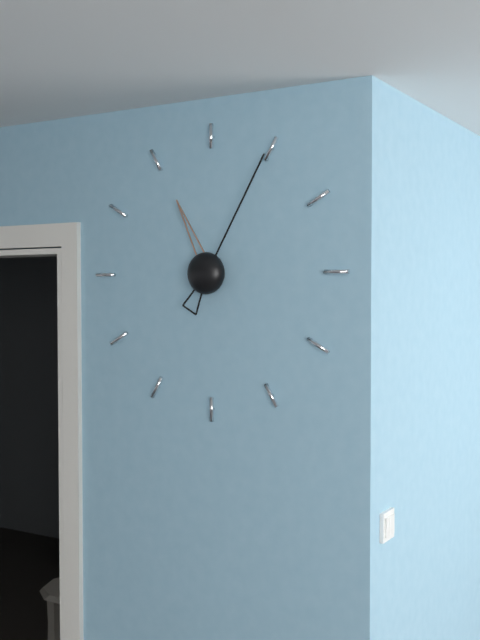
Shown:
**11:05**
